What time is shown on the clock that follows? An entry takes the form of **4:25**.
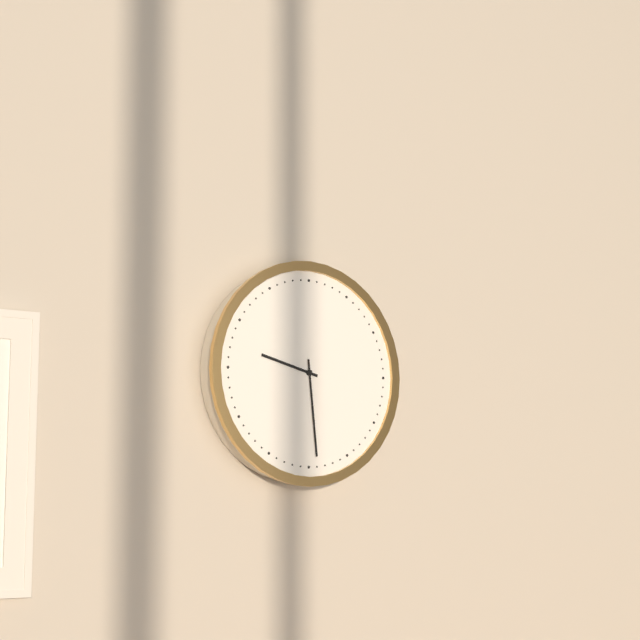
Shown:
**9:29**
